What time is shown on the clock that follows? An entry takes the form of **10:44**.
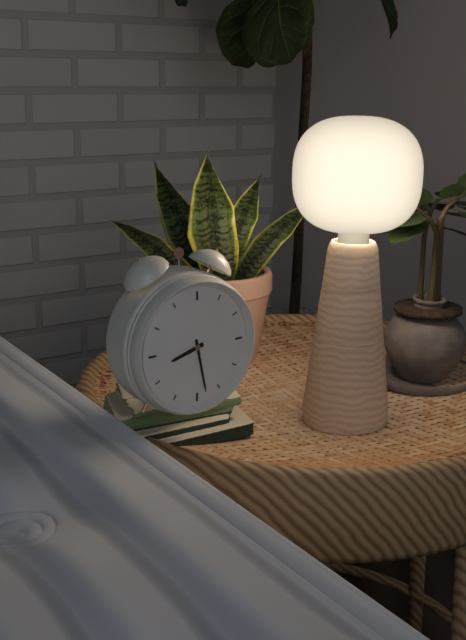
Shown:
**8:28**
